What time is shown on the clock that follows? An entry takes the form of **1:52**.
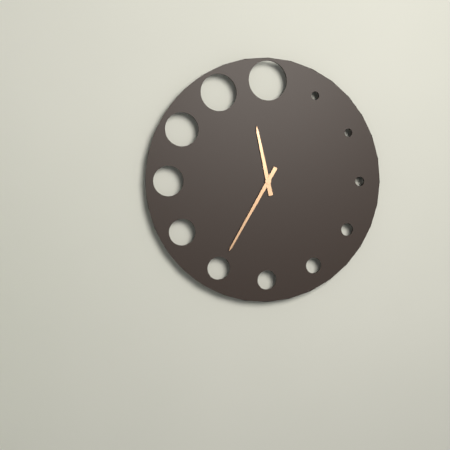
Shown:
**11:35**
